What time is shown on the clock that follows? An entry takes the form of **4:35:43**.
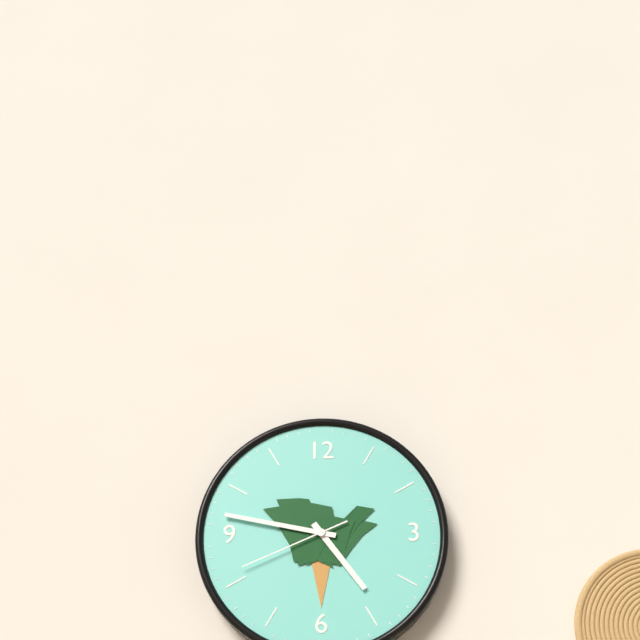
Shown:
**4:47:41**
